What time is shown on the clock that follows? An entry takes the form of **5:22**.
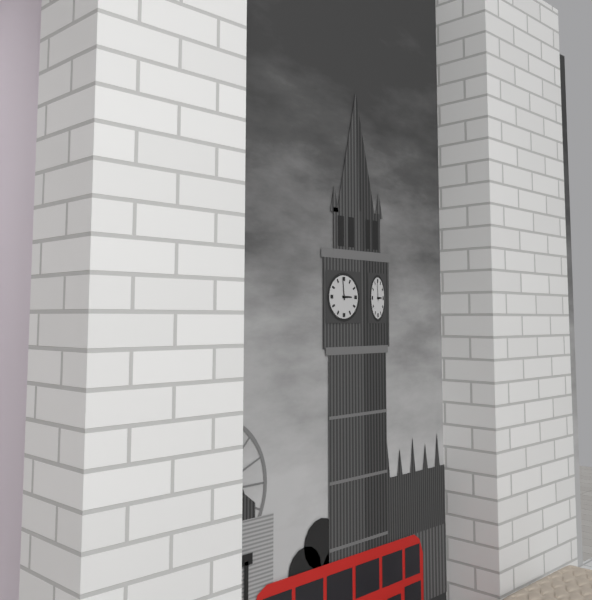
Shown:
**2:59**
